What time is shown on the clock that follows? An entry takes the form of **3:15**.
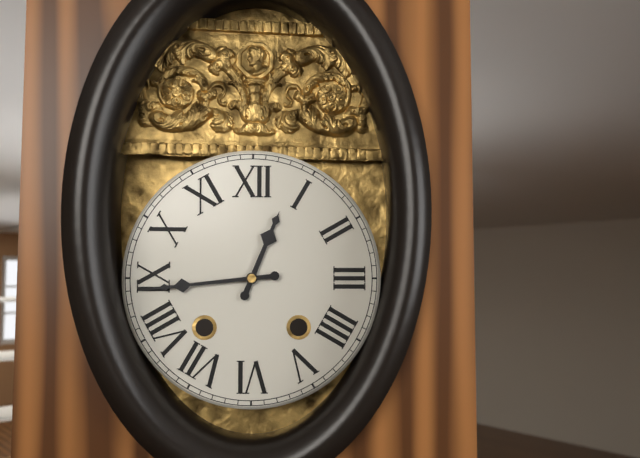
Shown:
**12:44**
